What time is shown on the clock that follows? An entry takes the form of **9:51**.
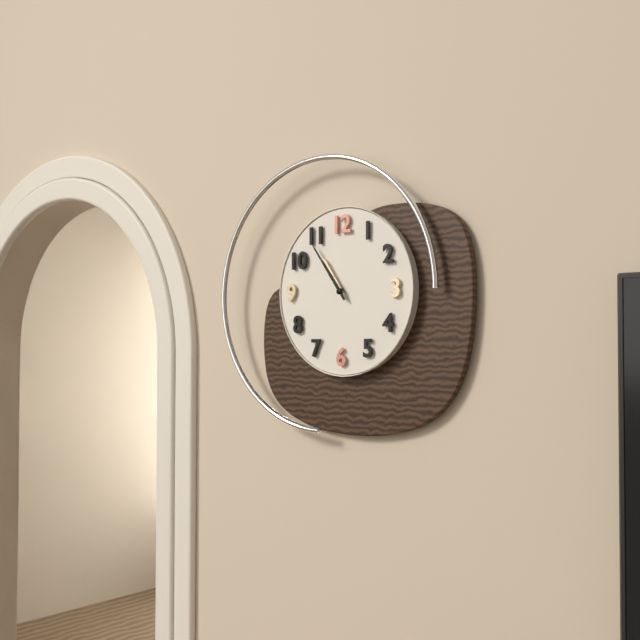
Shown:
**10:54**
